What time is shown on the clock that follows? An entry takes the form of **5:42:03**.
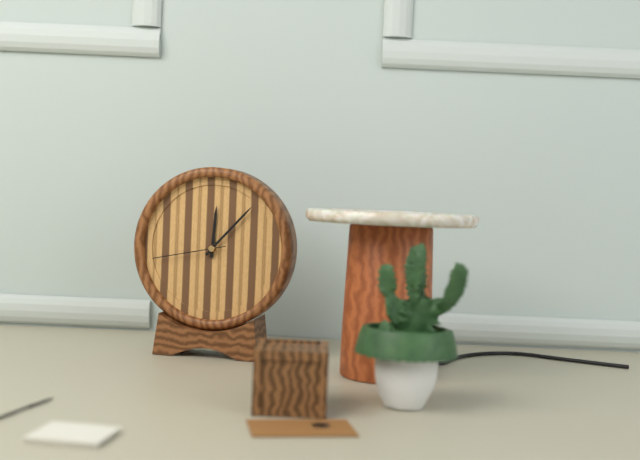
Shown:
**12:07:43**
